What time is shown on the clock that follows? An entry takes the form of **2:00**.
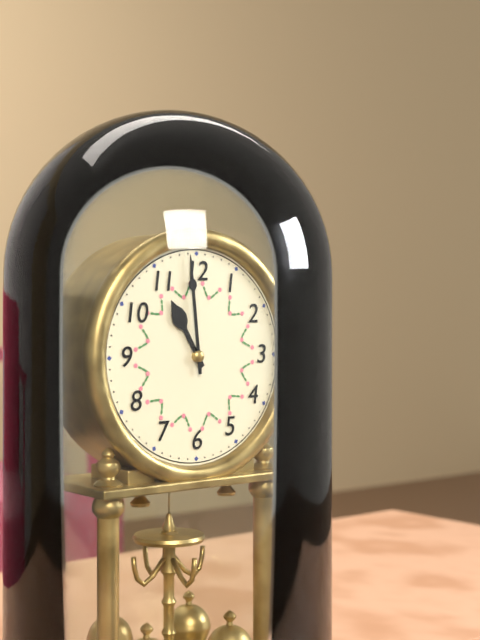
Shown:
**10:59**
